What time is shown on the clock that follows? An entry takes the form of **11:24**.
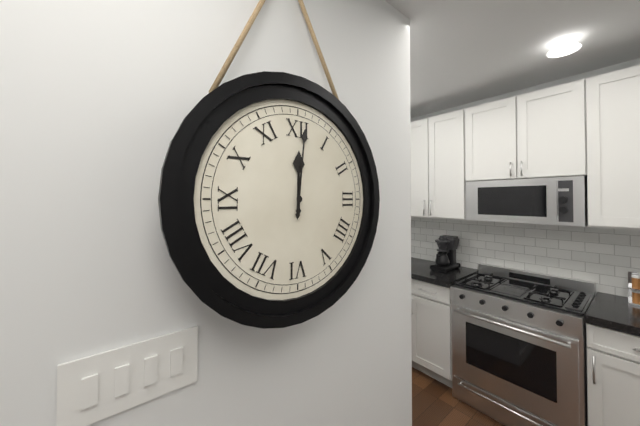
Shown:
**12:01**
